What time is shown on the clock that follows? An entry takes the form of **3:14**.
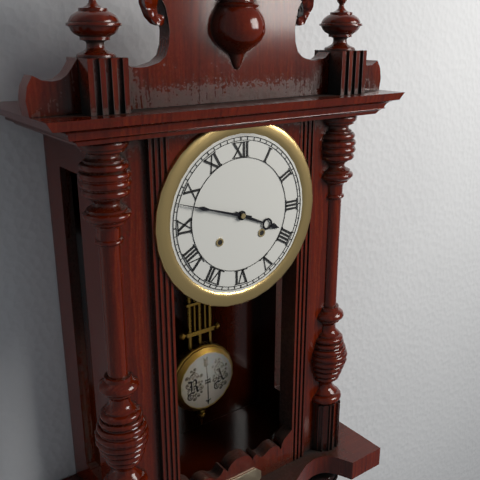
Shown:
**3:48**
